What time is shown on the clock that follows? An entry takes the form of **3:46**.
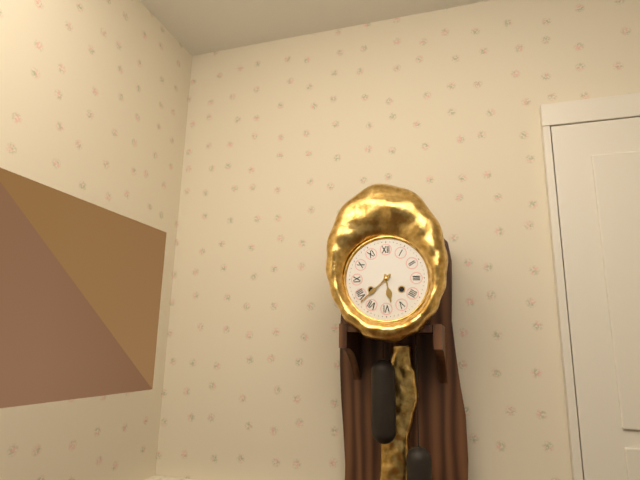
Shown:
**5:38**
